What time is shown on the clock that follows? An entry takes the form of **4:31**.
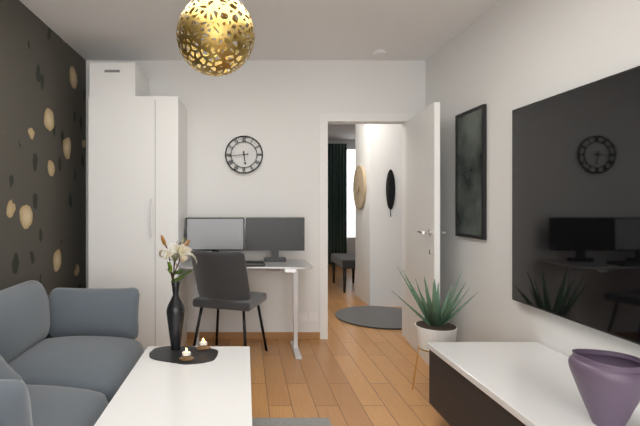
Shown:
**5:44**
